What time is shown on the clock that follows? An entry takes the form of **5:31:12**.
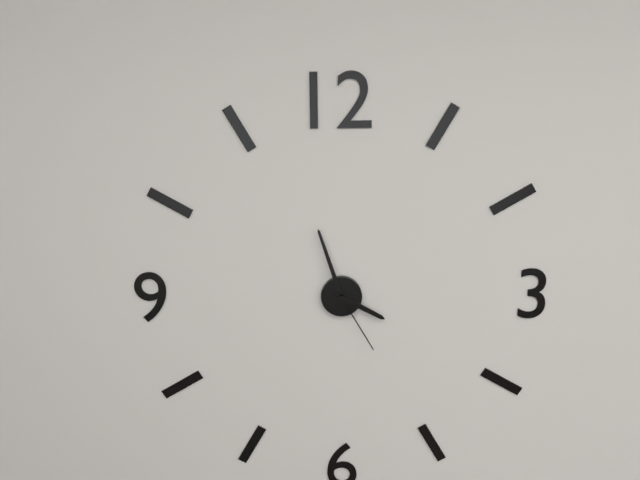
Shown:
**3:57:25**
